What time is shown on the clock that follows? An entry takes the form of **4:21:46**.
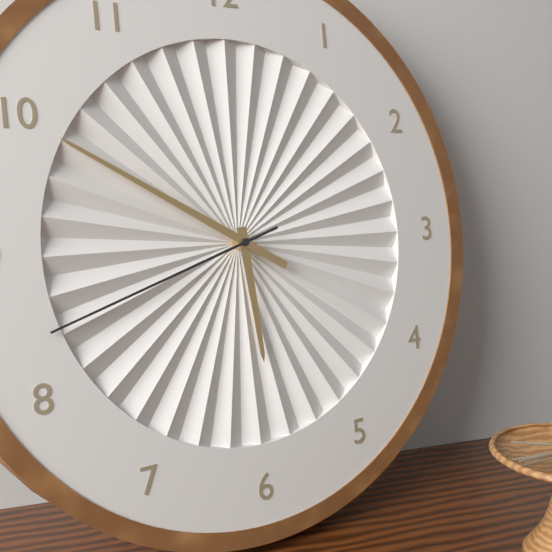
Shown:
**5:50:42**
